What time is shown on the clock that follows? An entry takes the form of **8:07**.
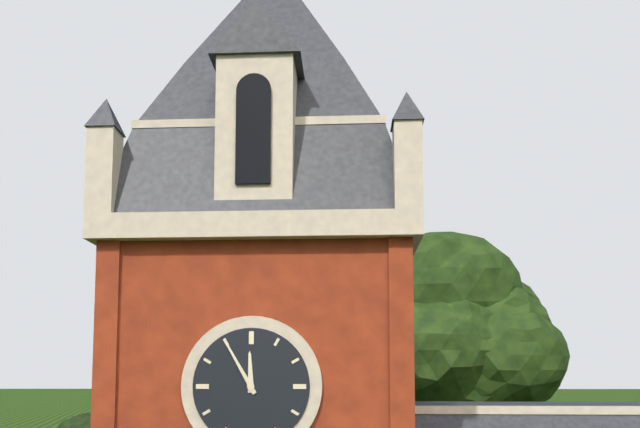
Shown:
**11:55**
